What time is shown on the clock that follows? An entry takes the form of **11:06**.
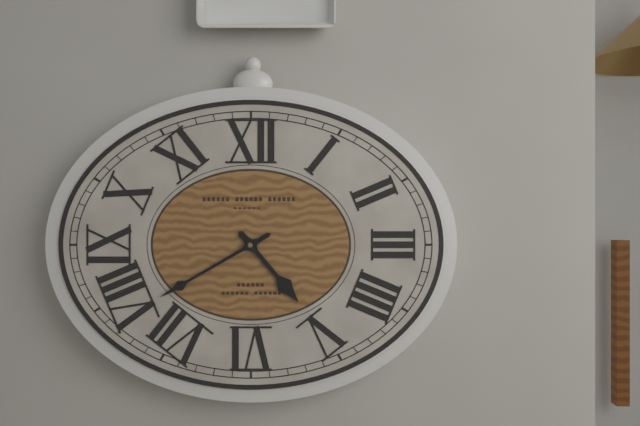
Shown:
**4:40**
